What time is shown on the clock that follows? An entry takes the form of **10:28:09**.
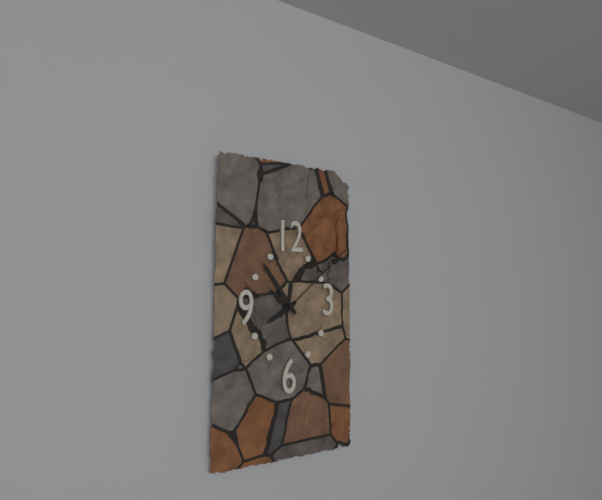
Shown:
**7:54:08**
